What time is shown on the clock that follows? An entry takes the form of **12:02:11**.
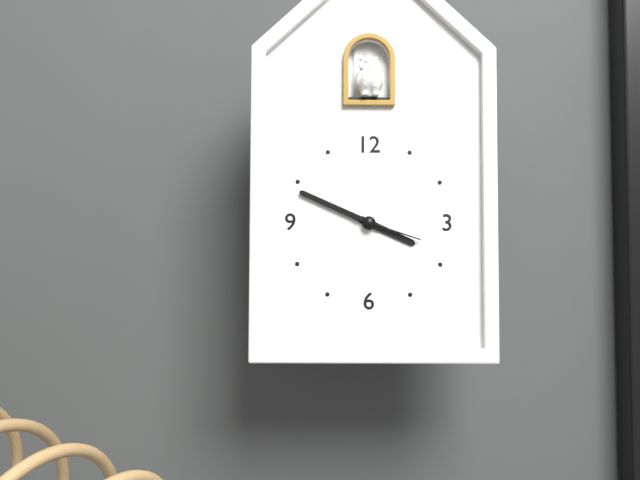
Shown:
**3:49:18**
